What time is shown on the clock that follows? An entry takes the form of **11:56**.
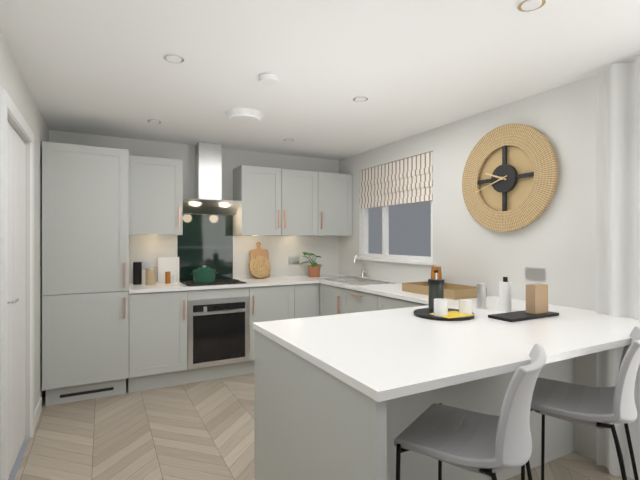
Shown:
**9:42**
